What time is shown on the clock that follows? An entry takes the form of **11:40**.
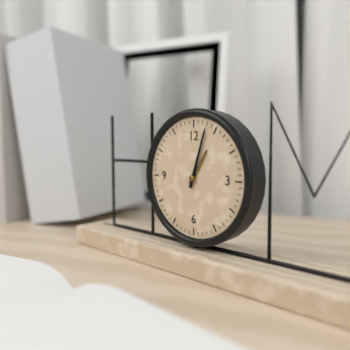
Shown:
**1:03**
